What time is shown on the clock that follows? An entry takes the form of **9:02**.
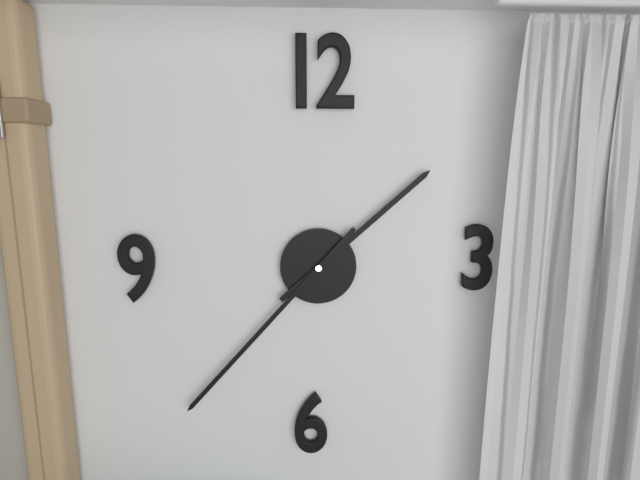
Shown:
**1:37**
